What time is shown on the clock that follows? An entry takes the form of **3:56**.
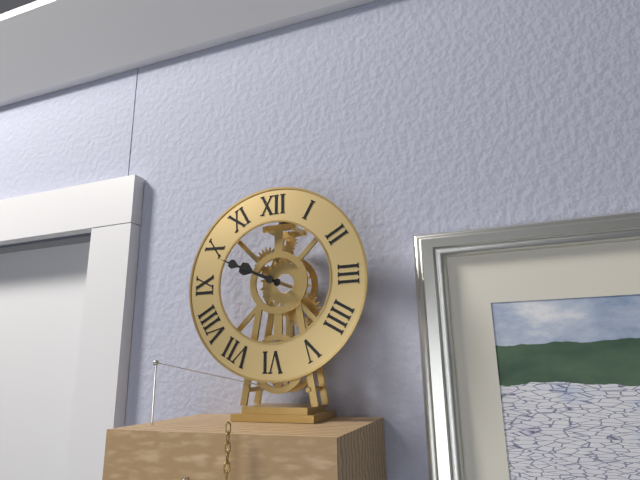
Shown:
**9:49**
